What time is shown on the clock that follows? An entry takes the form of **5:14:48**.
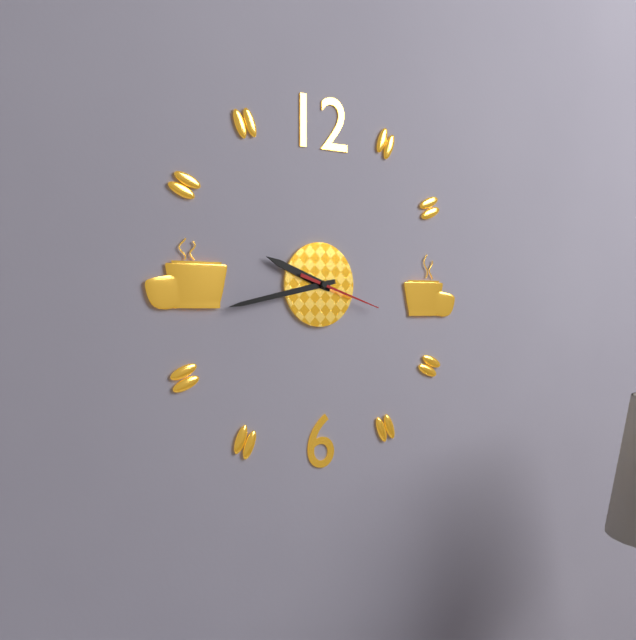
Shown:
**9:43:18**
